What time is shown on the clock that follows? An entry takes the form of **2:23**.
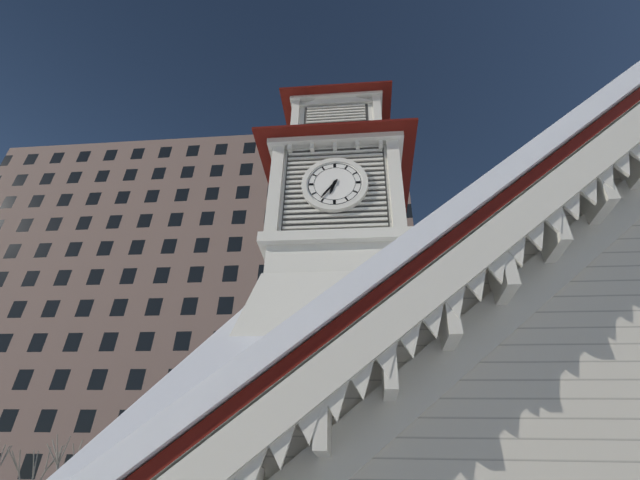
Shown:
**6:36**
